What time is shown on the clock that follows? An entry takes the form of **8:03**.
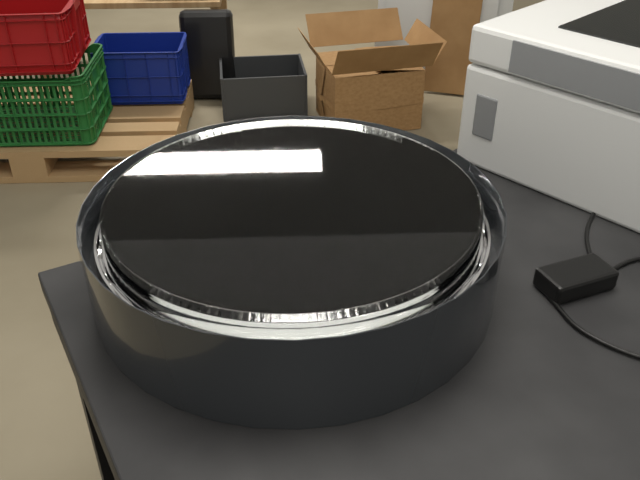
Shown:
**3:39**
